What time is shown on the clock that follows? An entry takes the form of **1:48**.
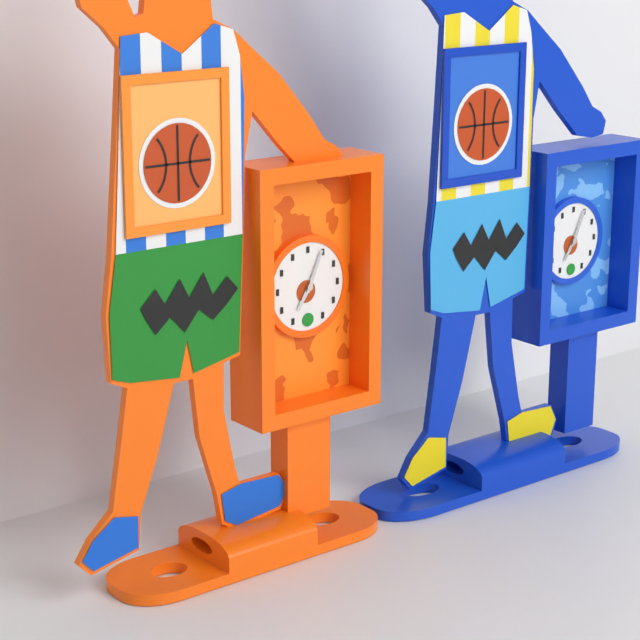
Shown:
**7:04**
